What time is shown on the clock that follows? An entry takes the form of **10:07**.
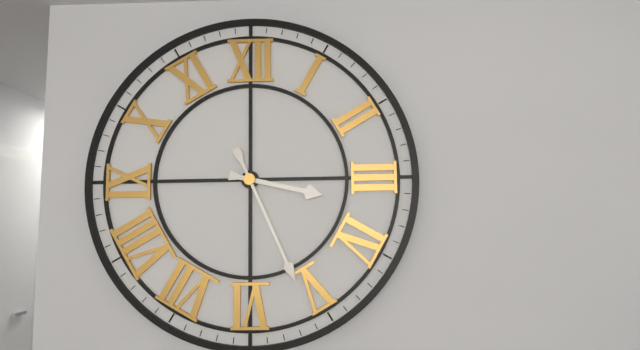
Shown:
**3:26**
